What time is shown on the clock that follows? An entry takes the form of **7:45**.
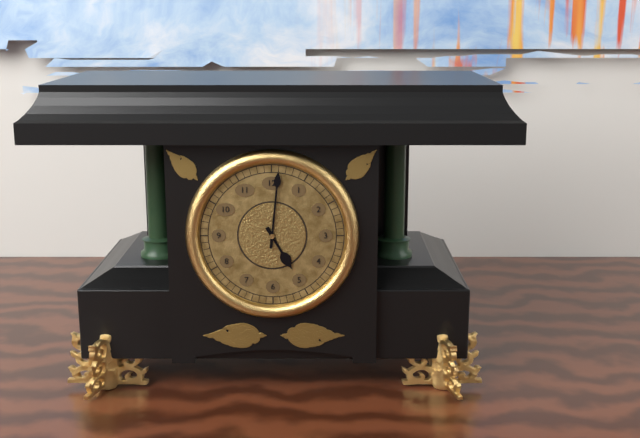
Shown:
**5:01**
